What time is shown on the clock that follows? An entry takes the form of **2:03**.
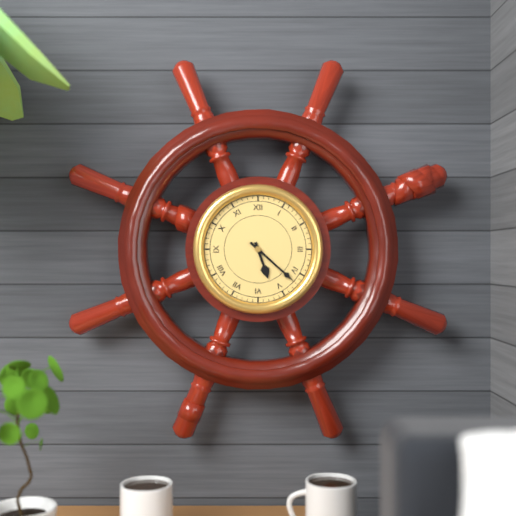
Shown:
**5:22**
